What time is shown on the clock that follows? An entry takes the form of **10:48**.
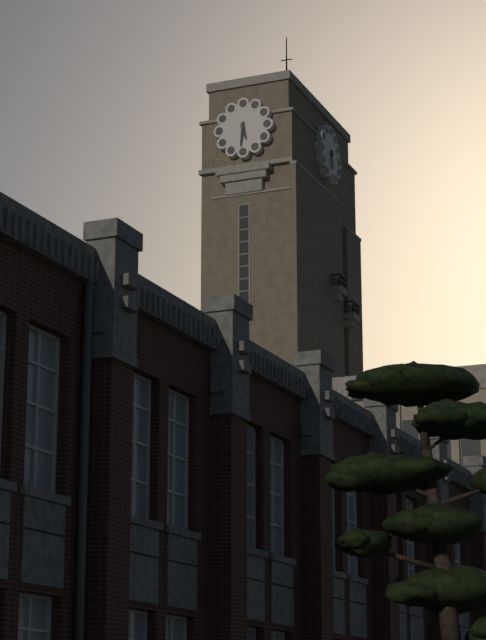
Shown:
**5:31**
